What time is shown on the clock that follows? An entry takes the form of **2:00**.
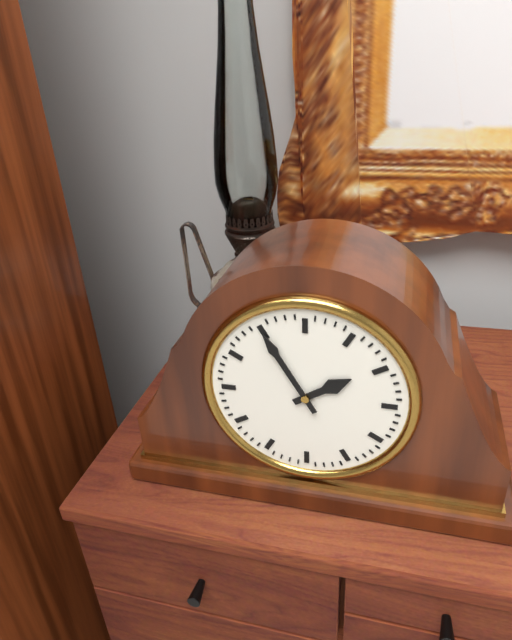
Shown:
**1:55**
